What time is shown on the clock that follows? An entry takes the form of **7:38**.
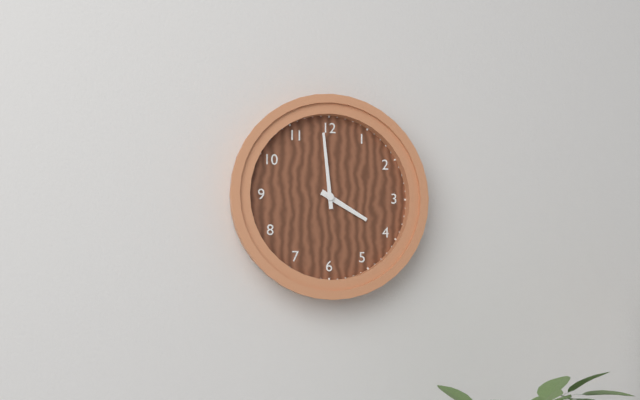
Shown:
**3:59**
